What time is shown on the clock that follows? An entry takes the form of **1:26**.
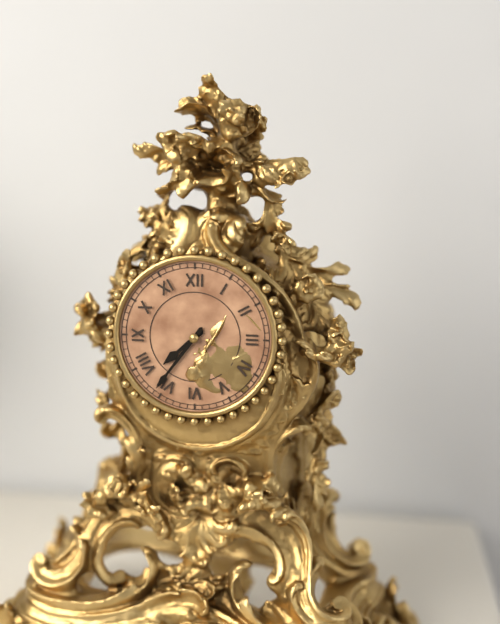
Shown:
**7:36**
